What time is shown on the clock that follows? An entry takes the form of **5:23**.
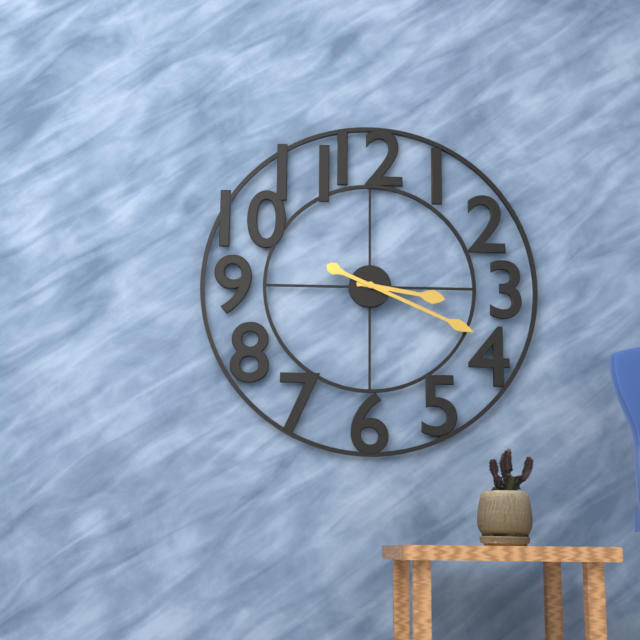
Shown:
**3:19**
